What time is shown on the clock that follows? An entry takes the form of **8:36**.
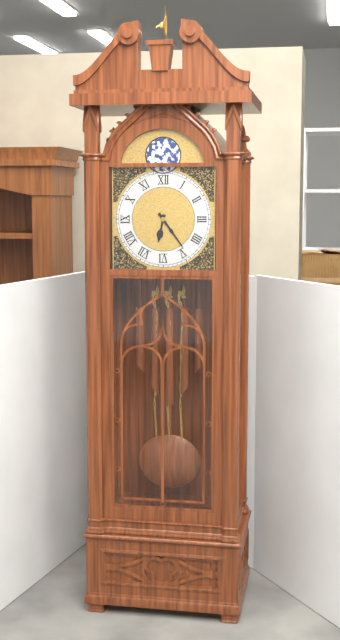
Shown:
**6:24**
